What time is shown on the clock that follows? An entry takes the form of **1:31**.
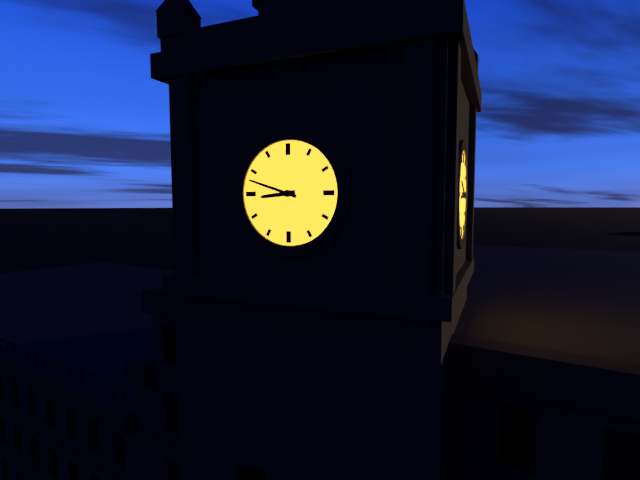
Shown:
**8:48**
